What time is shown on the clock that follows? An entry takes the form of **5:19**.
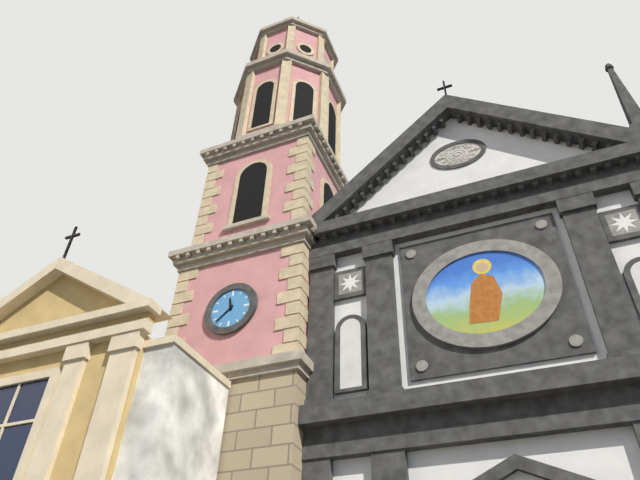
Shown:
**11:38**
